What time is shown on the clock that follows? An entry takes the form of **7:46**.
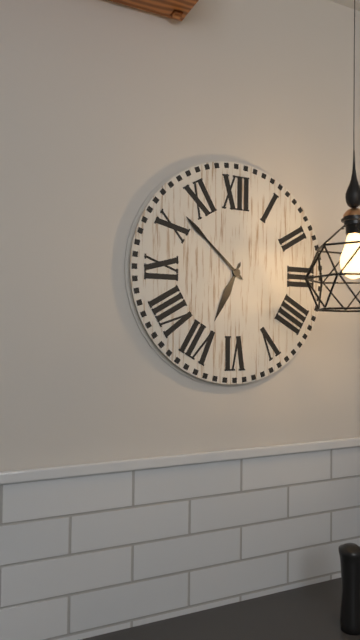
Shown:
**6:52**
